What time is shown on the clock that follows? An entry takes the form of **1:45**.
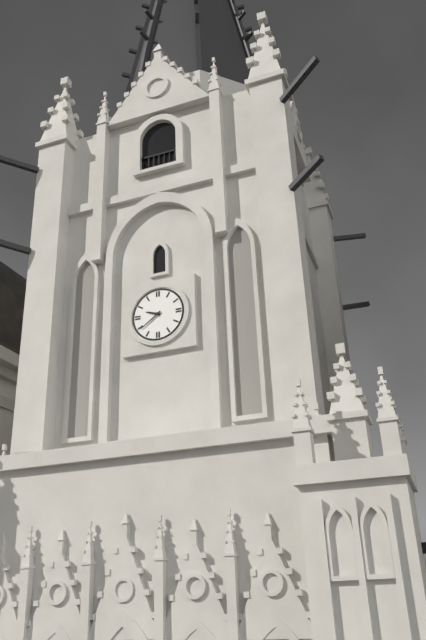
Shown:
**9:39**
